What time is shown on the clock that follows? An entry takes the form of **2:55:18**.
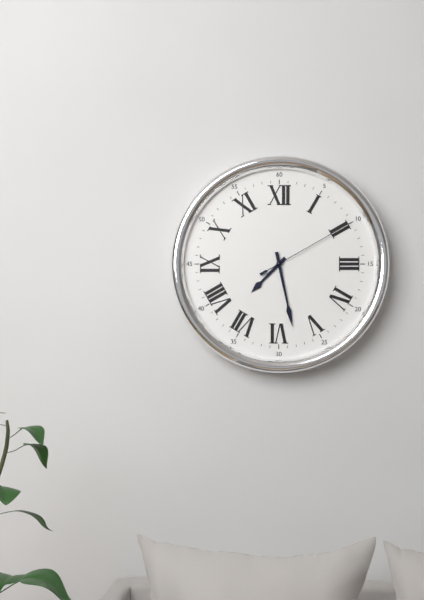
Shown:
**7:28:10**
